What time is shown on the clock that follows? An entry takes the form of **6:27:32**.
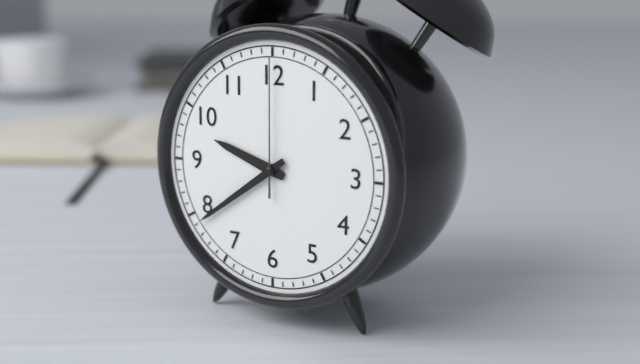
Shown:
**9:39:00**
